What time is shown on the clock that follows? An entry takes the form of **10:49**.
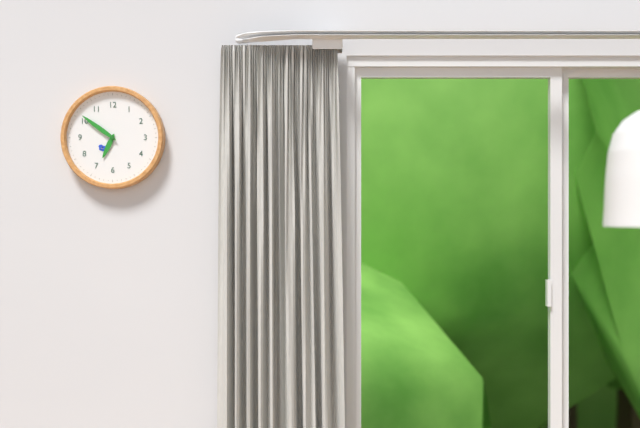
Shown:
**6:51**
